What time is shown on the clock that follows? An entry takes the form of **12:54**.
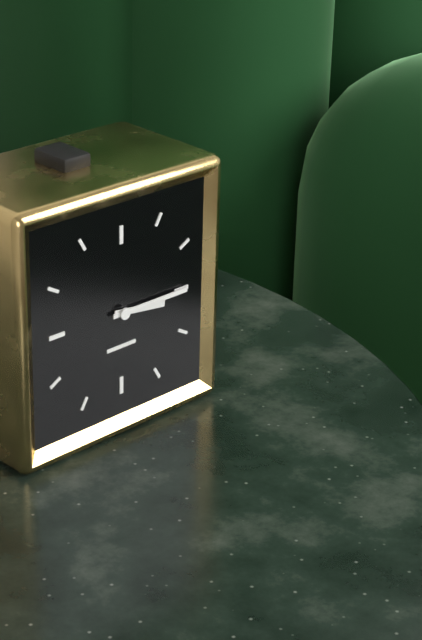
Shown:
**3:15**
